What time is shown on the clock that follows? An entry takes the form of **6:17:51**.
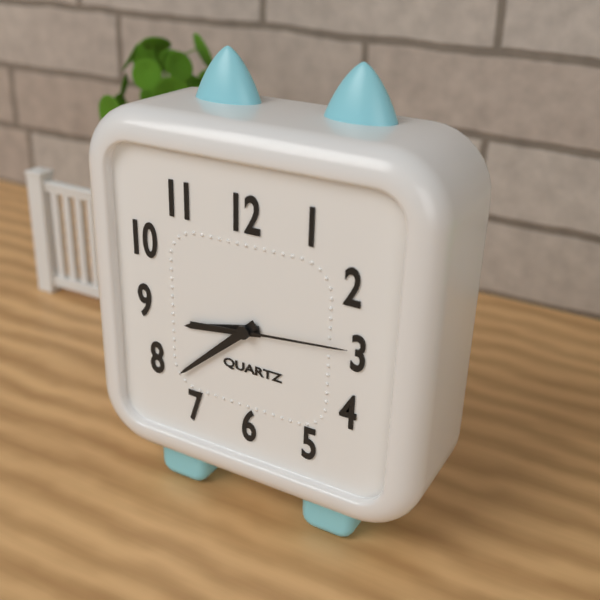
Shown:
**8:38:14**
